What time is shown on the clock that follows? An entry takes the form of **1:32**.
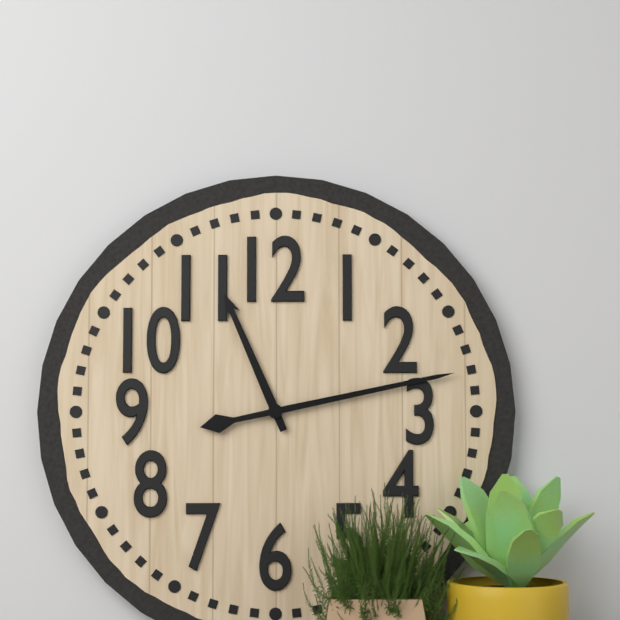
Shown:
**11:13**
